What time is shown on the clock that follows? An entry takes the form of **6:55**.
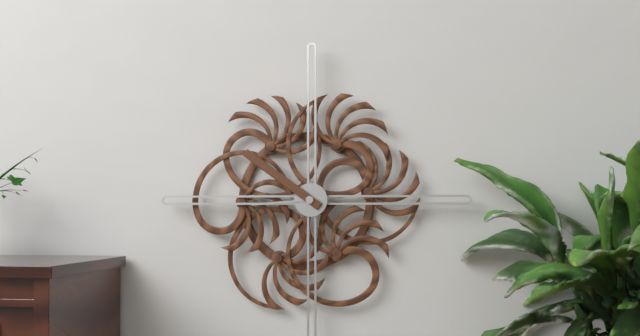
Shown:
**8:51**
